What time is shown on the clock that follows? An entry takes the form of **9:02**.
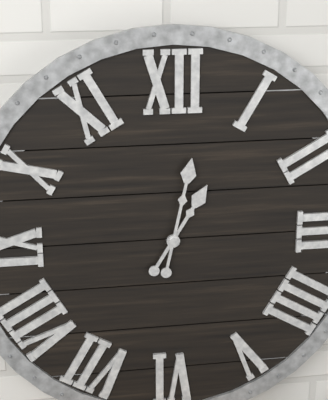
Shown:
**1:02**
